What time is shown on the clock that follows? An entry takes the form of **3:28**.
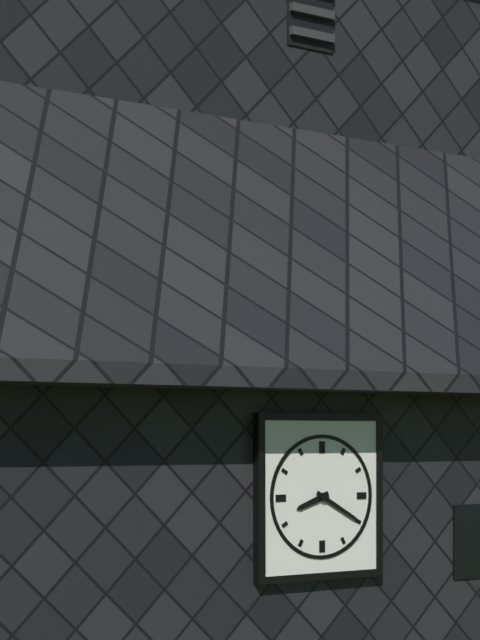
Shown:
**8:20**
